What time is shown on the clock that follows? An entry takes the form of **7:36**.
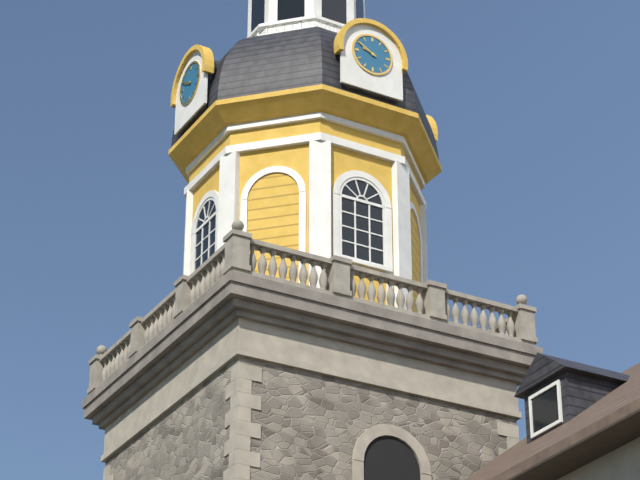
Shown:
**9:50**
